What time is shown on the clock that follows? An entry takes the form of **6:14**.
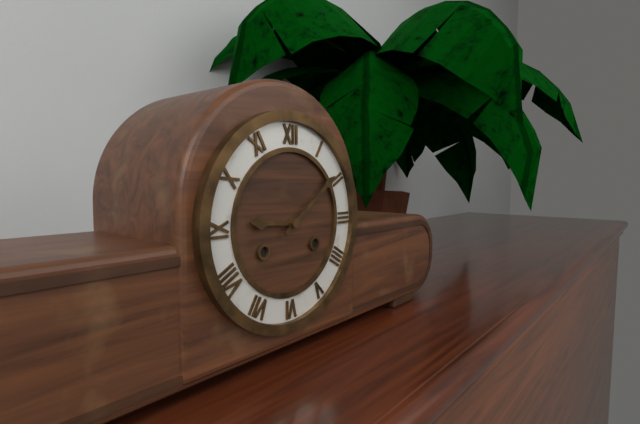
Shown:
**9:09**
